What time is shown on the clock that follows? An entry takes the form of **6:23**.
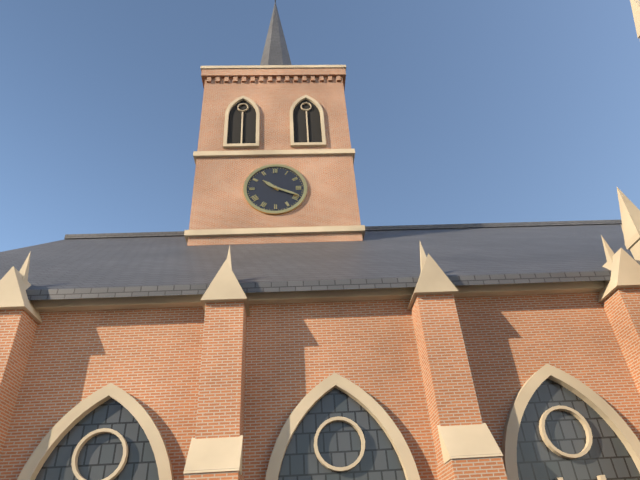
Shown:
**10:19**
